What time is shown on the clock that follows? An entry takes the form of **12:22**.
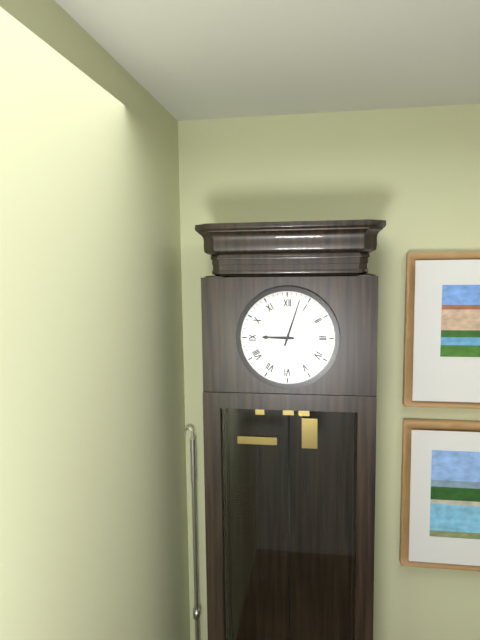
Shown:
**9:03**
